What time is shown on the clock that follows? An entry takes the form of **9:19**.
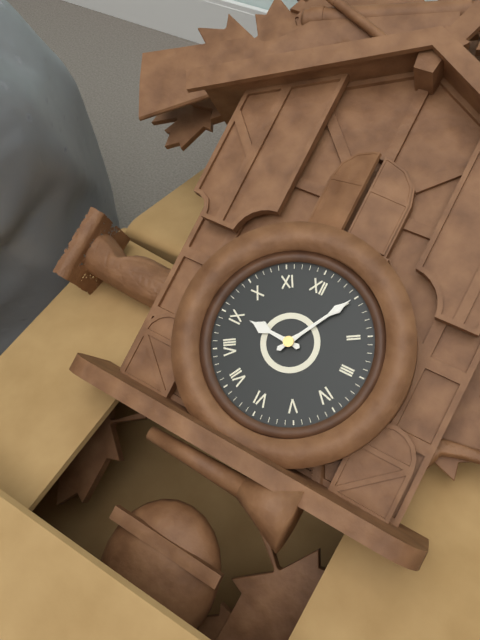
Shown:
**9:05**
